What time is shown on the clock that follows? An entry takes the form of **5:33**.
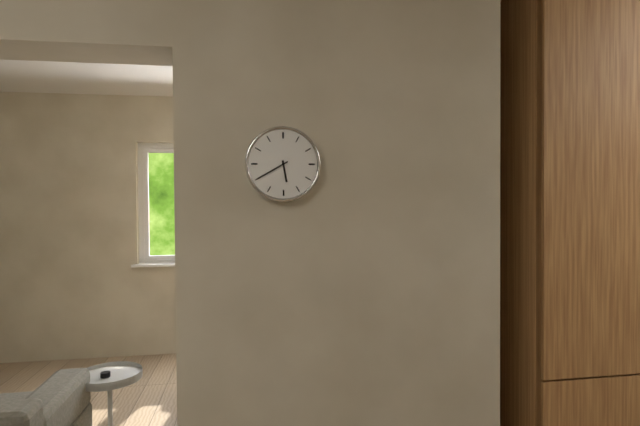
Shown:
**5:40**
